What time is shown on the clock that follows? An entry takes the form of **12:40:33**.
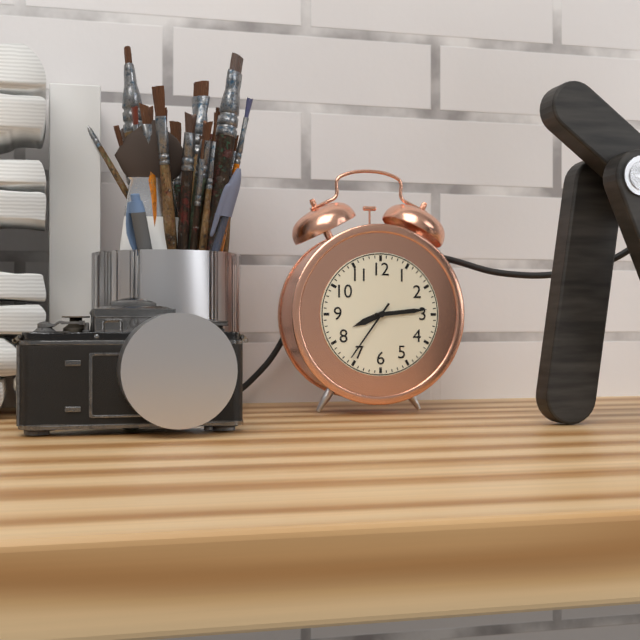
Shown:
**8:14:36**
